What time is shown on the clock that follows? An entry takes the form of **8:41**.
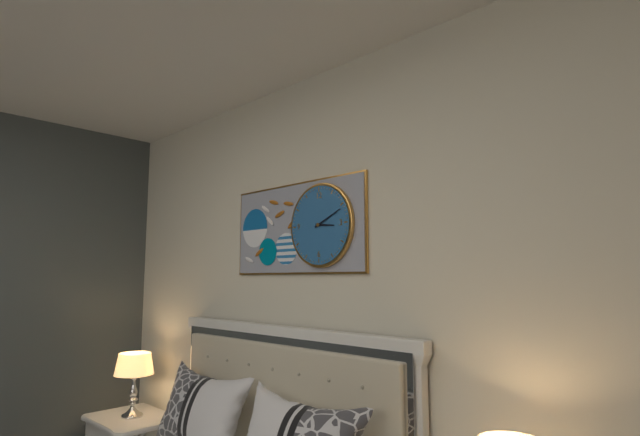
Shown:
**3:11**
